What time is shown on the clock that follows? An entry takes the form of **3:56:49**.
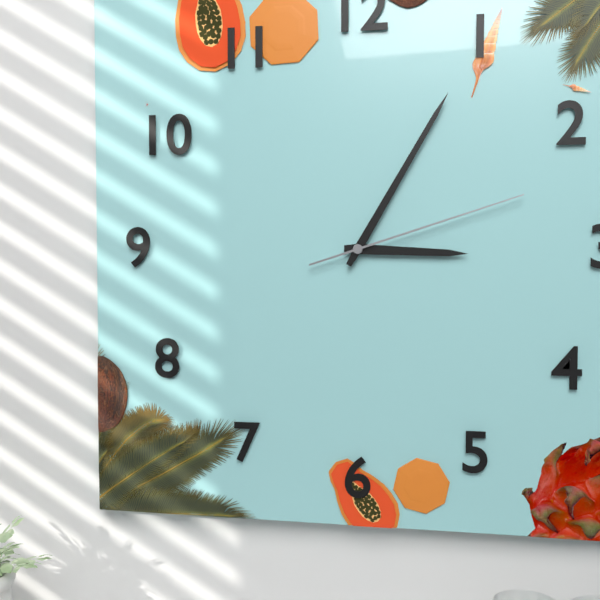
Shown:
**3:05:12**
